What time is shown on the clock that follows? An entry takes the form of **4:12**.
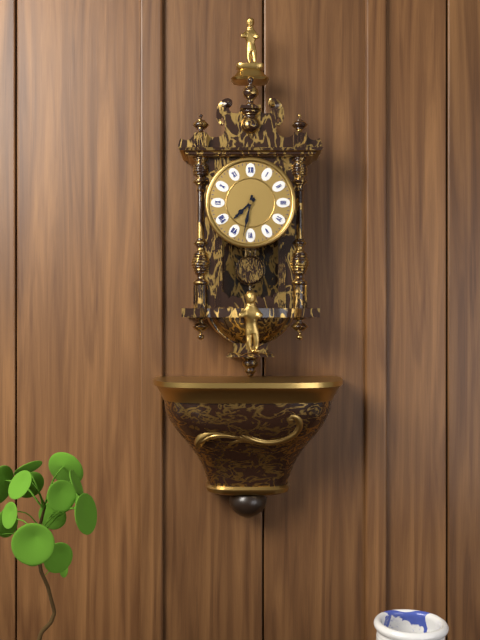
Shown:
**7:32**
